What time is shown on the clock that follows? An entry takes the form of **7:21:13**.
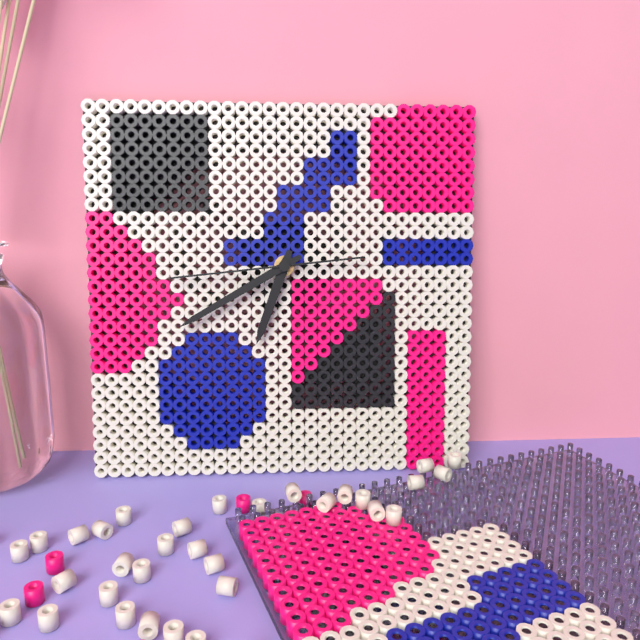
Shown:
**6:40:44**
